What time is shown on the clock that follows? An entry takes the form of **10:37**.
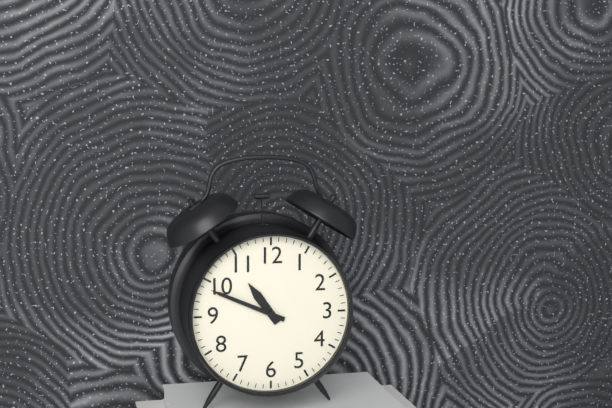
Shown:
**10:49**
